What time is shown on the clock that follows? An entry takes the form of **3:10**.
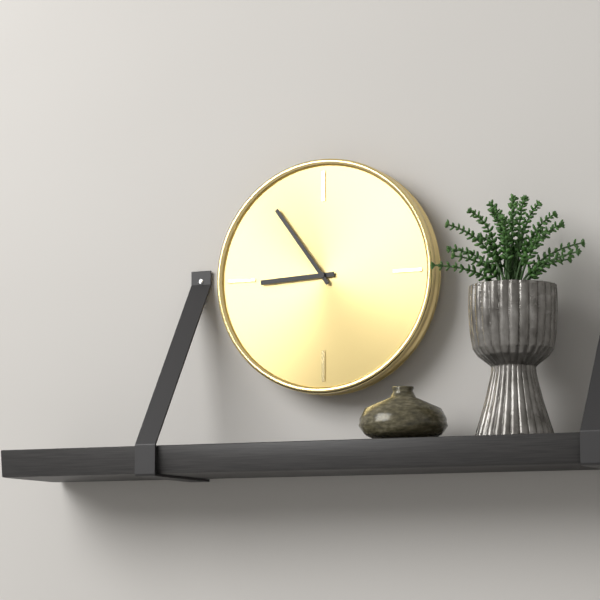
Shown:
**8:54**
